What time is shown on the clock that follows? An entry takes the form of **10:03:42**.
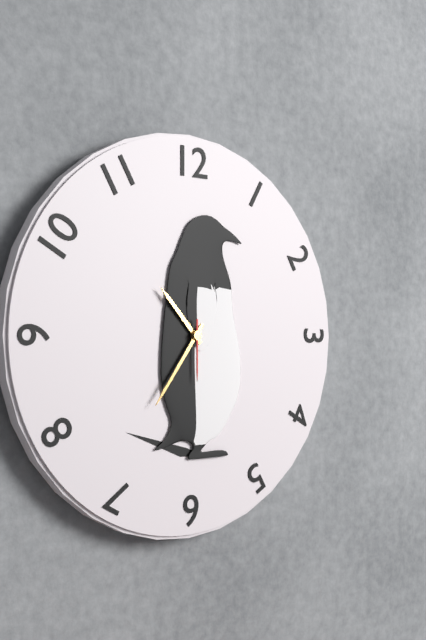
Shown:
**10:36:30**
